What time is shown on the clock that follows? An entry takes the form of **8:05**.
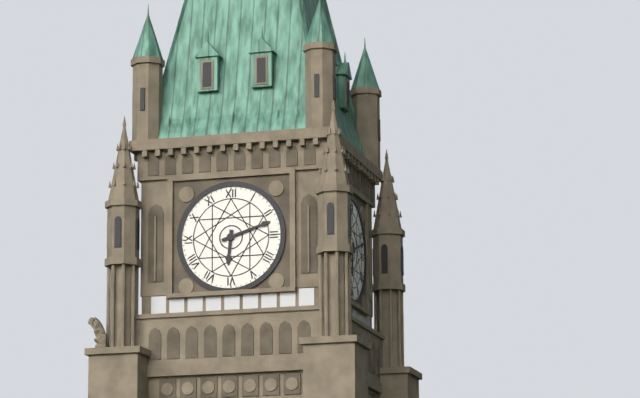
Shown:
**6:12**
